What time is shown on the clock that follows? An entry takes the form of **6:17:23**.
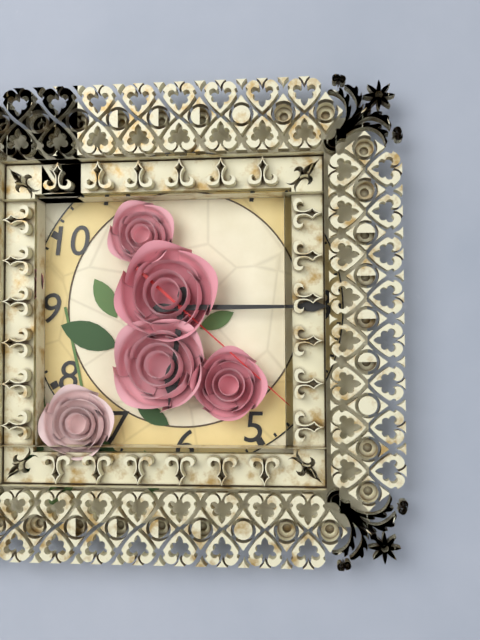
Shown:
**6:15:22**
